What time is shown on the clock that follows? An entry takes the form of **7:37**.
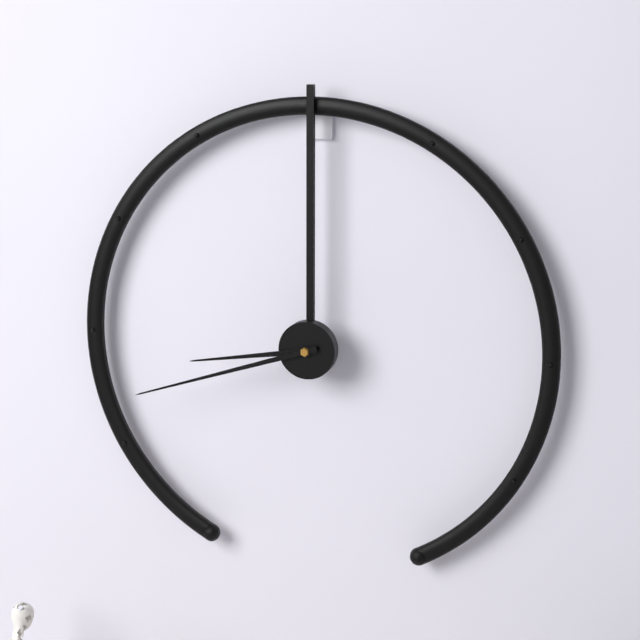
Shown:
**8:42**
